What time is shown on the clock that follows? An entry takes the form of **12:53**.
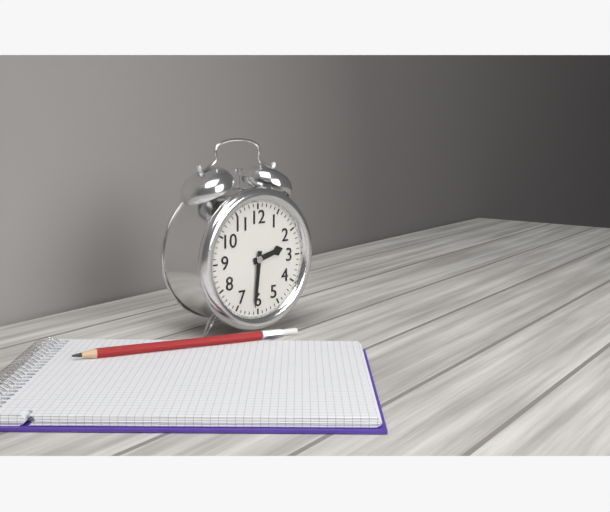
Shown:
**2:31**
